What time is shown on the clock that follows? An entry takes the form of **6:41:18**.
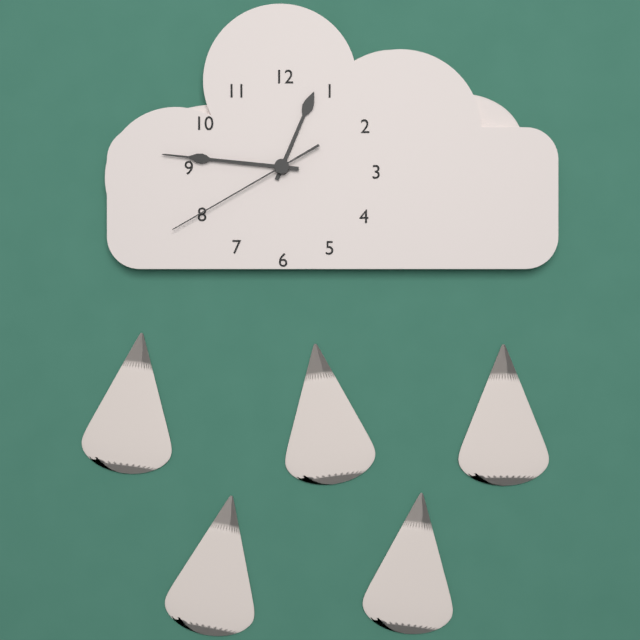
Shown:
**12:46:40**
